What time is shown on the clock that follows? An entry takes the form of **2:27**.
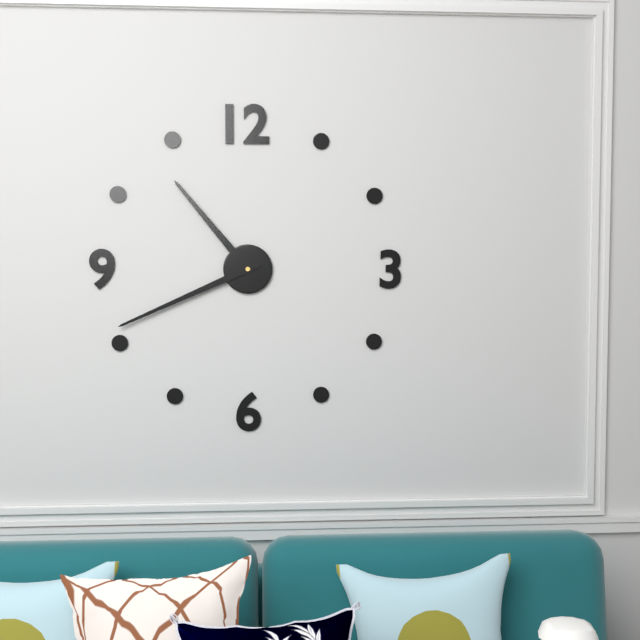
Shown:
**10:41**
